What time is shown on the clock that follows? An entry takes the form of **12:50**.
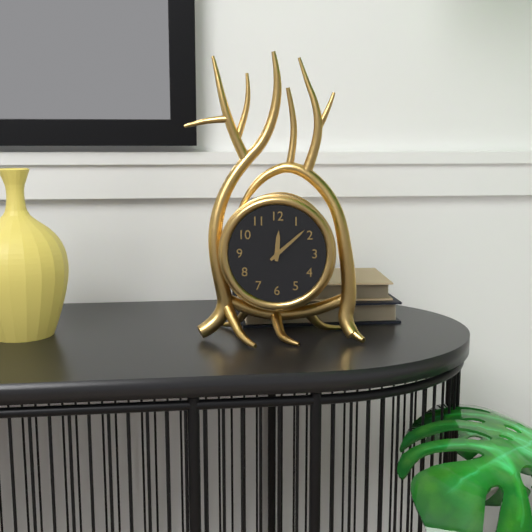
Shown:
**12:08**
